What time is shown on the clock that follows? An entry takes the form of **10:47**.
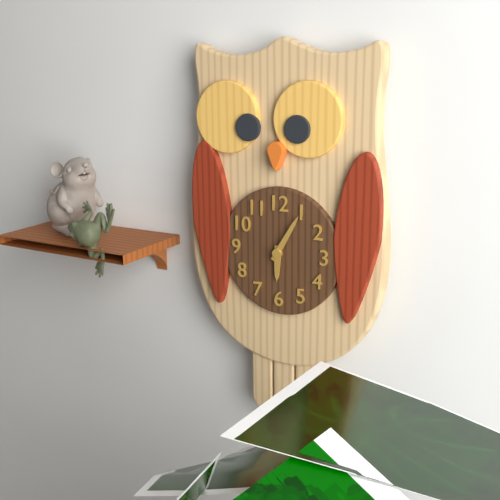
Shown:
**6:05**
